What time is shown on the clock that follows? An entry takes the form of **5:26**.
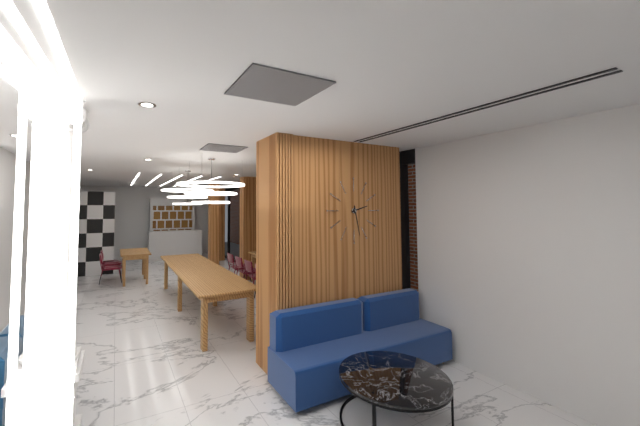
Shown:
**2:28**
